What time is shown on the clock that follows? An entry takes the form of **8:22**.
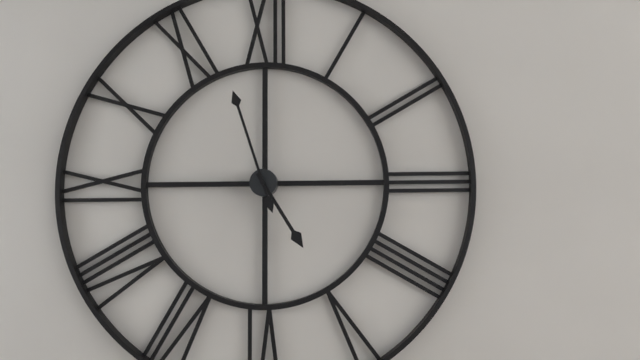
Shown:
**4:57**
